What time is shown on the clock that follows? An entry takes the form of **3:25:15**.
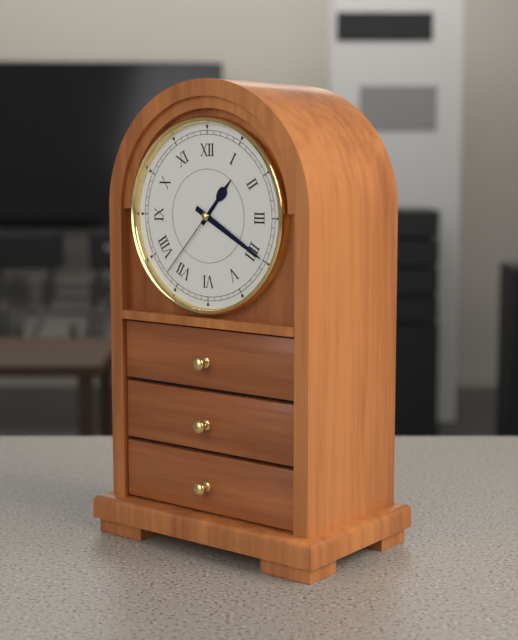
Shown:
**1:20:37**
